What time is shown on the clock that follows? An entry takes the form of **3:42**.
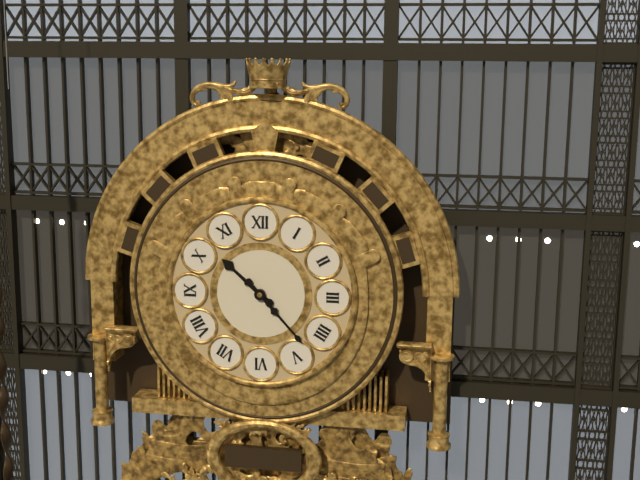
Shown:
**10:23**
